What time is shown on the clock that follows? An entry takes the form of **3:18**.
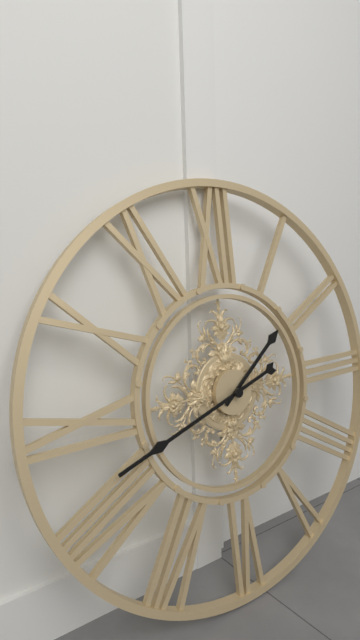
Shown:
**1:42**
